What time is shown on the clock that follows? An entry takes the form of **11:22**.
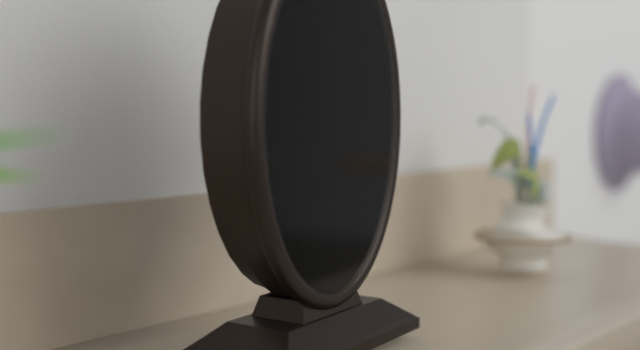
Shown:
**9:02**
